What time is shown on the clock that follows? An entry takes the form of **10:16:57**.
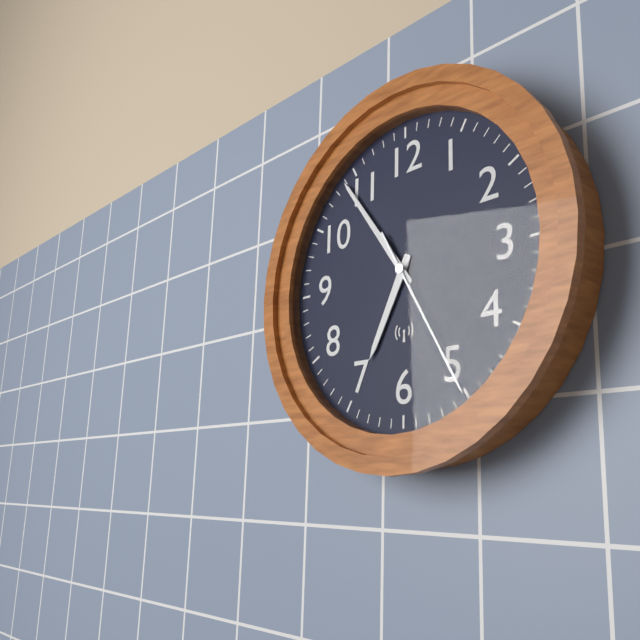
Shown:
**6:54:25**
